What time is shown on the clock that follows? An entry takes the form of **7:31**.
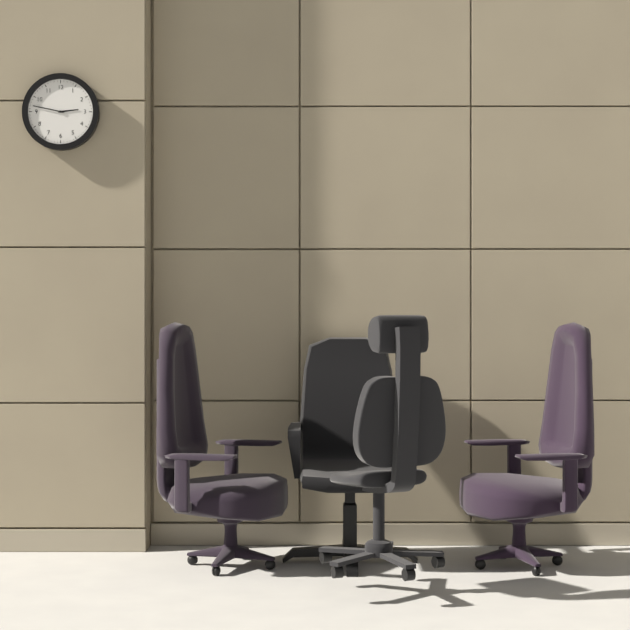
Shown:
**2:47**
